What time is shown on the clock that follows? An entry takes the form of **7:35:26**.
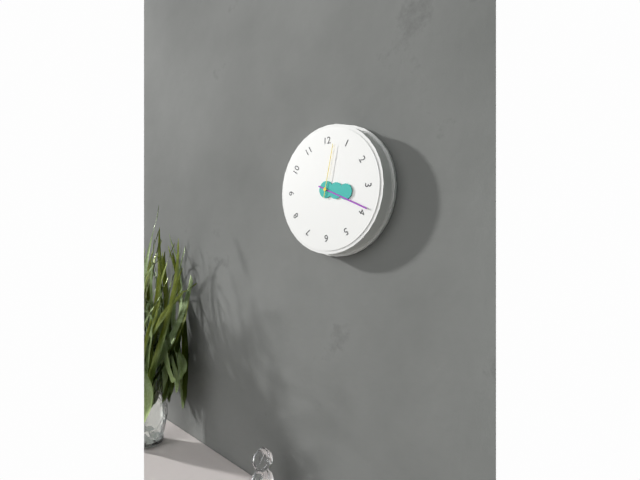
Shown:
**3:19:02**
